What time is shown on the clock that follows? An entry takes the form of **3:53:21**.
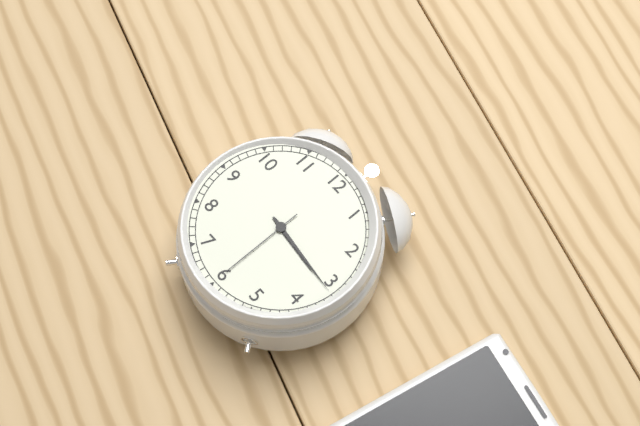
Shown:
**3:16:30**
